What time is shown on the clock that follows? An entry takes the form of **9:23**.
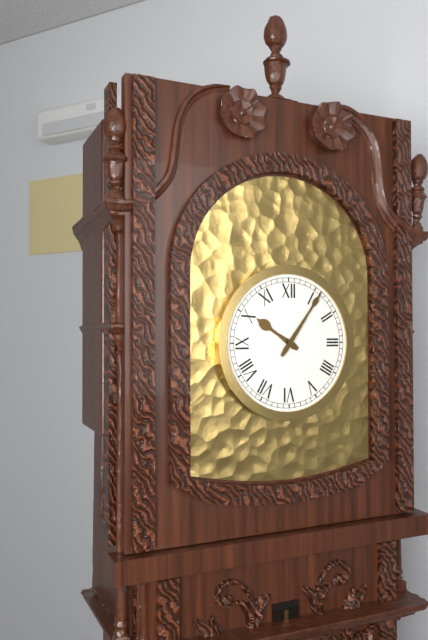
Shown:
**10:06**
